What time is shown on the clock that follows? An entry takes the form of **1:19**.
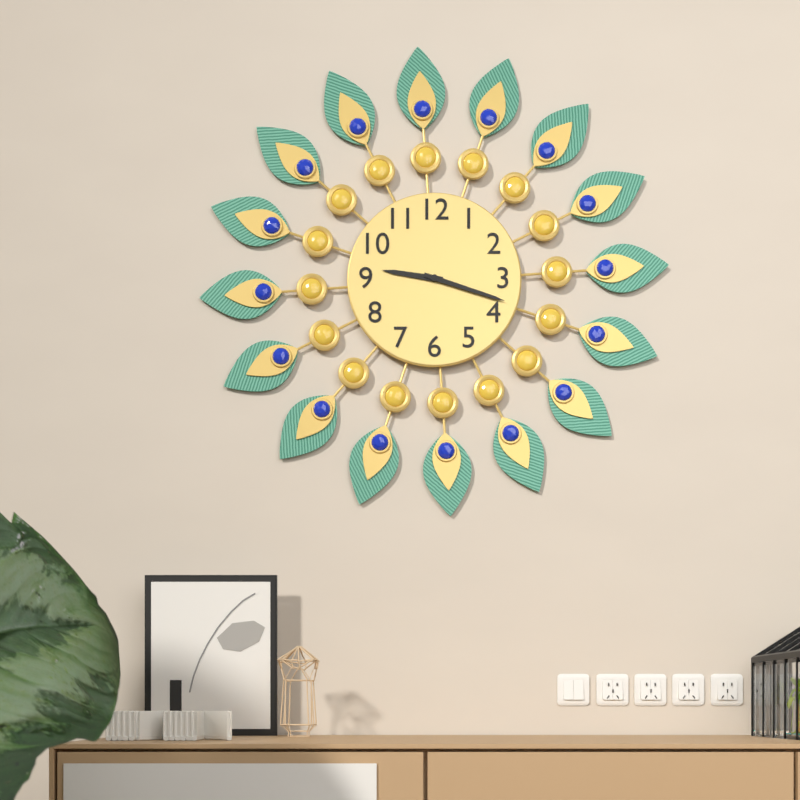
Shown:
**9:18**
